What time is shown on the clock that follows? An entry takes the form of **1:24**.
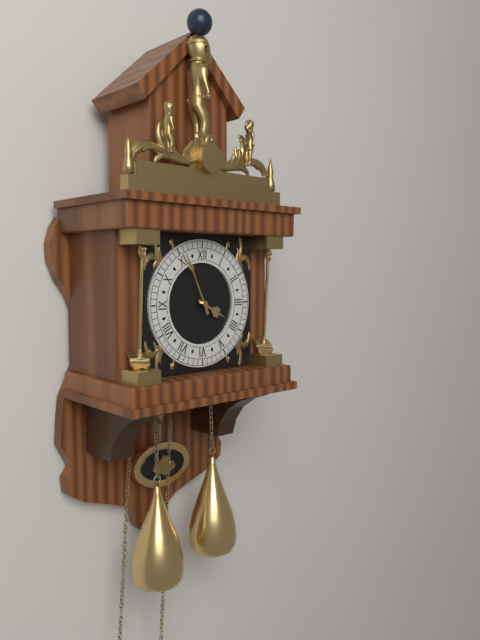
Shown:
**3:56**
